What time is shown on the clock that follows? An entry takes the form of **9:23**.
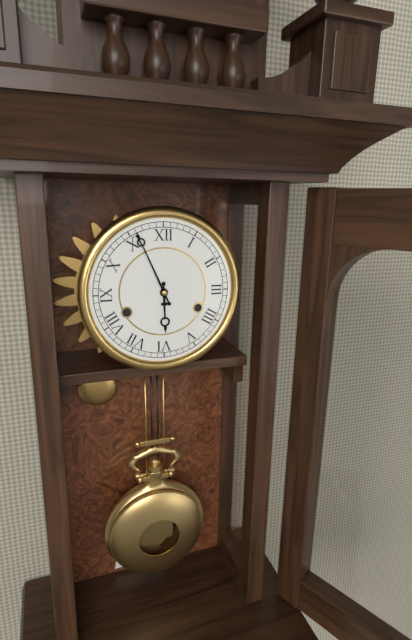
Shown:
**5:56**
